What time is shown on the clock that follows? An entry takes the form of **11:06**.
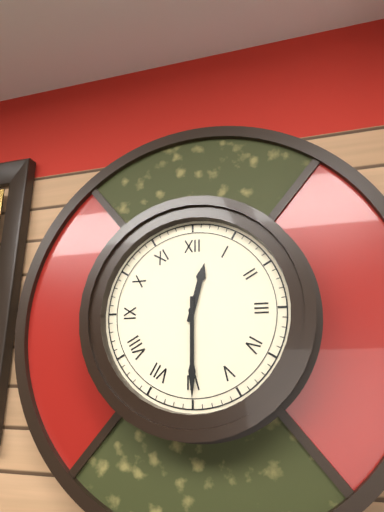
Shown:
**12:30**
